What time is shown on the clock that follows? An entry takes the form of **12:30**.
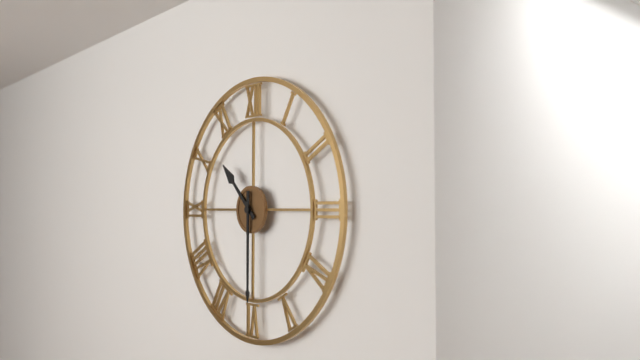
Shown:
**10:30**
